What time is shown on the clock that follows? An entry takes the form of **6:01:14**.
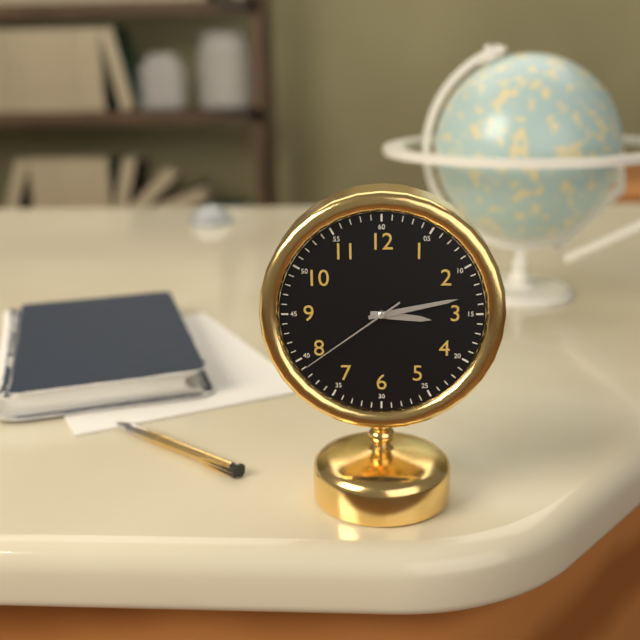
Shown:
**3:13:39**
